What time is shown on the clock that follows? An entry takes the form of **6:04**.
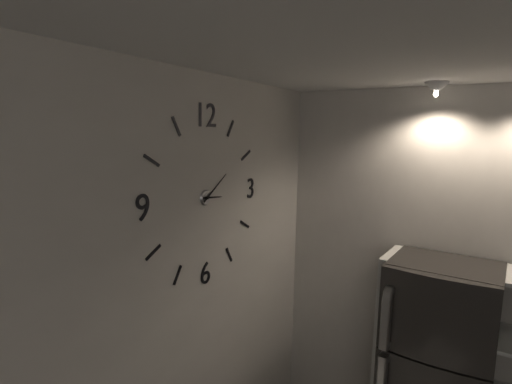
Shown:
**3:09**
